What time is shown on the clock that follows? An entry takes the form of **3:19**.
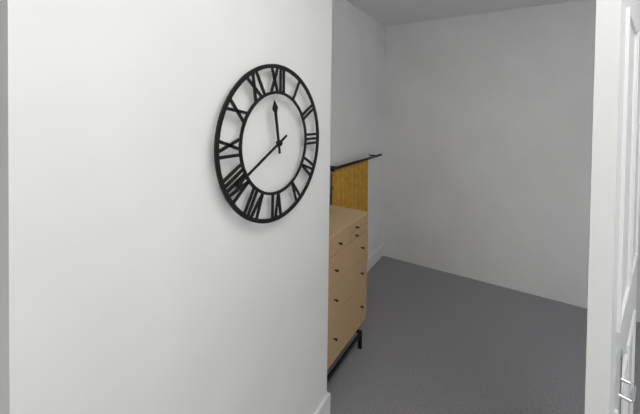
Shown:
**11:40**
